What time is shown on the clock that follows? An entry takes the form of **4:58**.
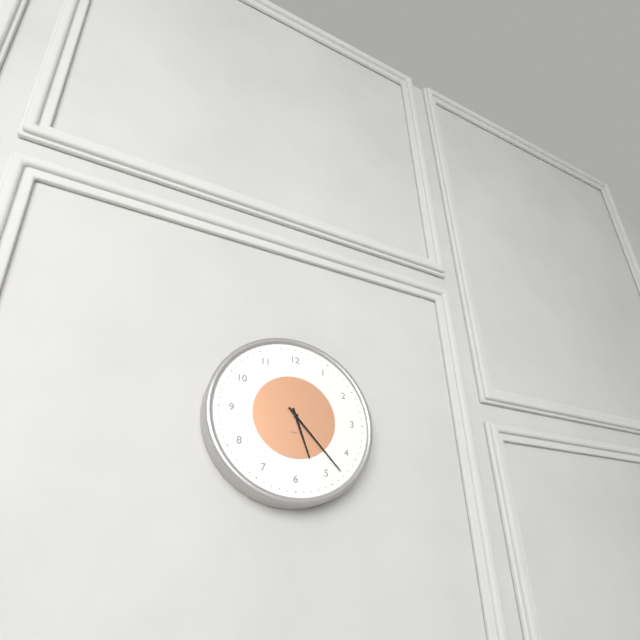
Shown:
**5:23**
